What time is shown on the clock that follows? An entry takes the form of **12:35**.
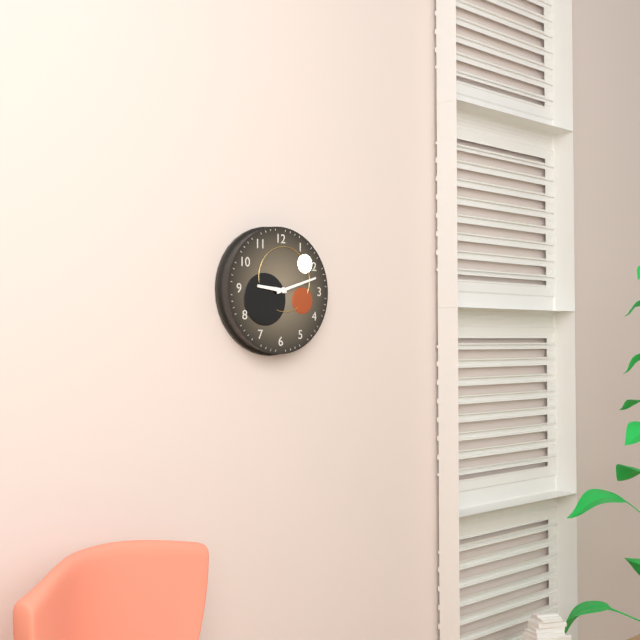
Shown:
**9:12**
